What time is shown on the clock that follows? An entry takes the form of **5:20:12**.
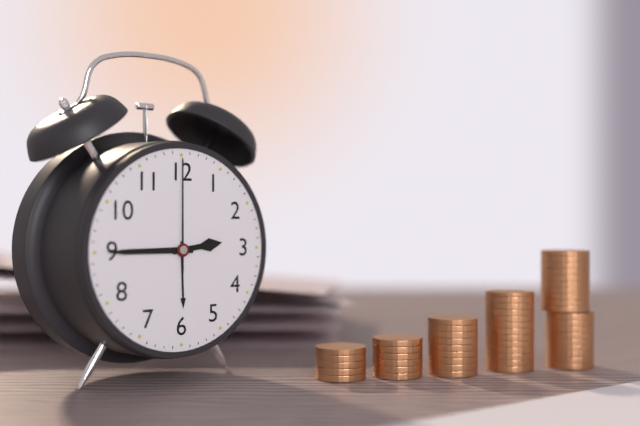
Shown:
**2:45:00**
